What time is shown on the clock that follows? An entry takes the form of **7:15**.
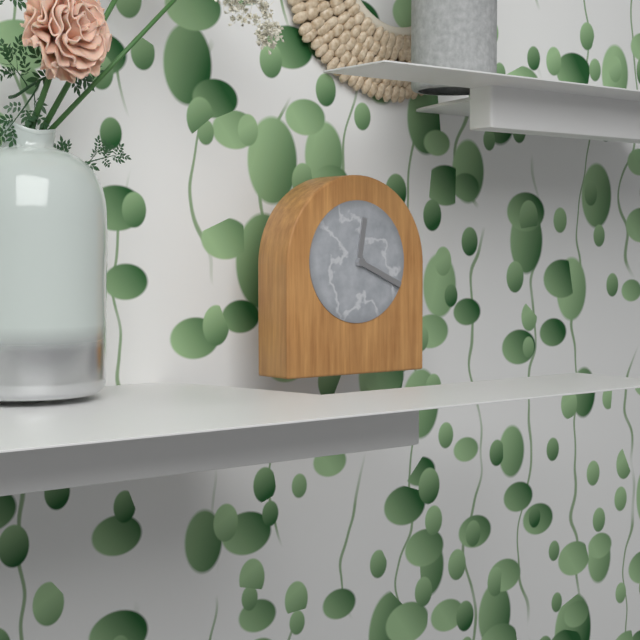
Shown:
**12:19**
